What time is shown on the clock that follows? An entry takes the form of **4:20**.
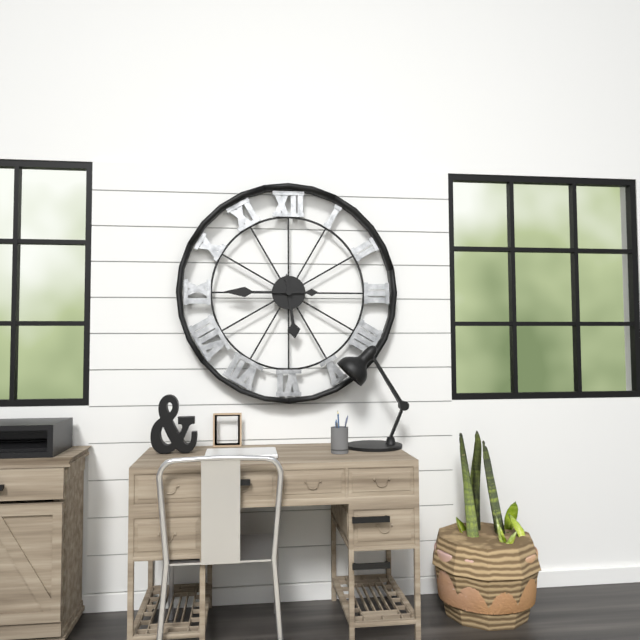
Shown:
**5:45**
